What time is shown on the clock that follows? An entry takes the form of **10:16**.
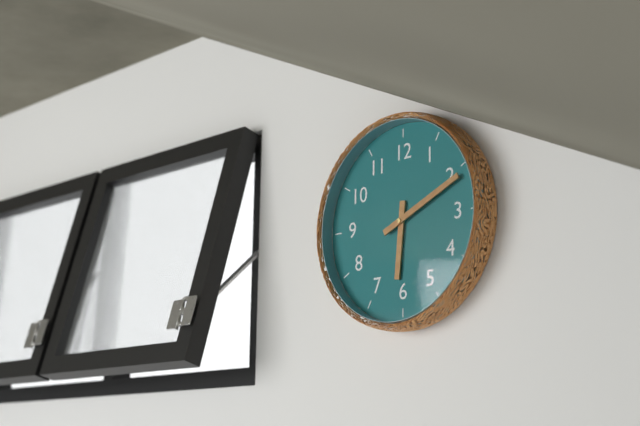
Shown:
**6:11**
